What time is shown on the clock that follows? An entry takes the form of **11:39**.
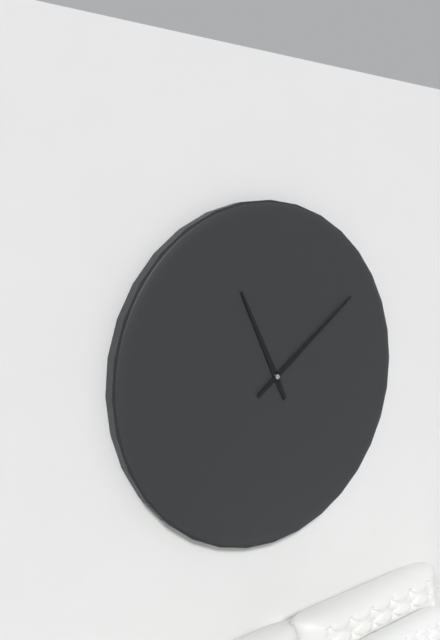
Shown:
**11:09**
